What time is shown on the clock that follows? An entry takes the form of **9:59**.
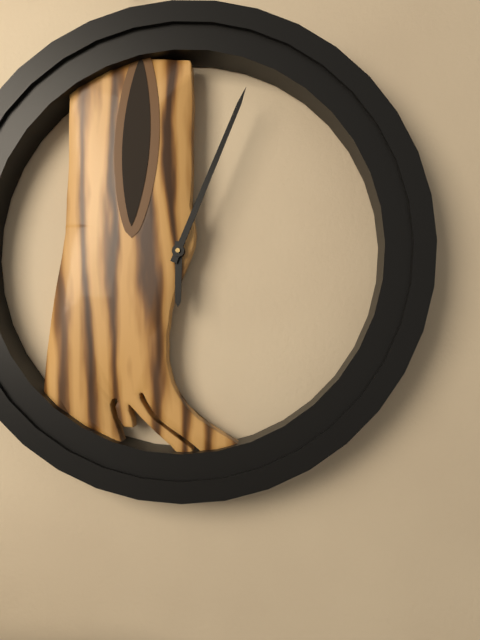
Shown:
**6:04**
